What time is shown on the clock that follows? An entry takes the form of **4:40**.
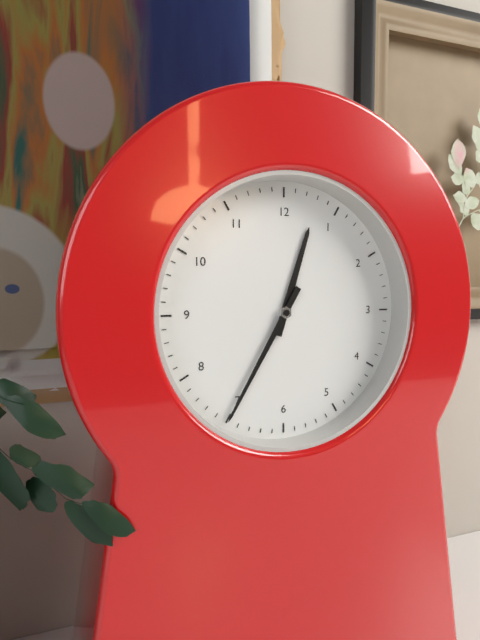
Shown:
**12:35**
